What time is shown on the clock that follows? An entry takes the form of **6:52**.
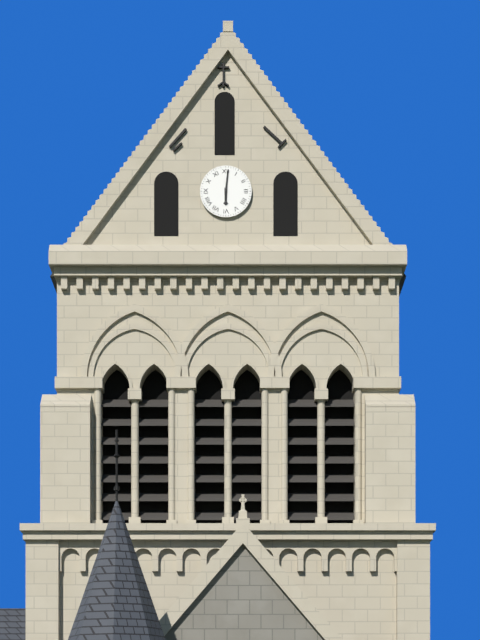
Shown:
**6:01**
